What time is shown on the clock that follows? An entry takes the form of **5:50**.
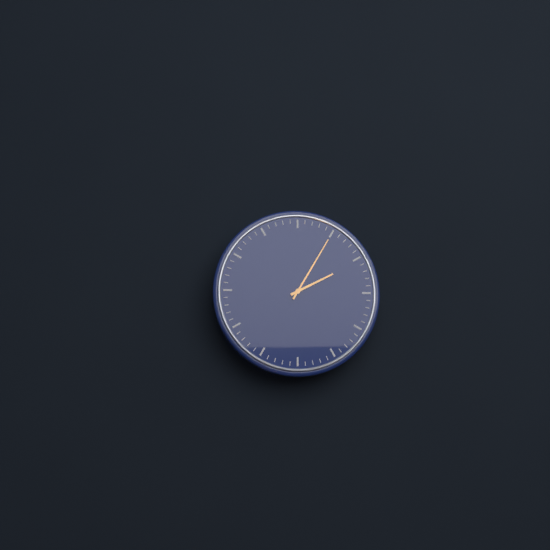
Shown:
**2:05**
